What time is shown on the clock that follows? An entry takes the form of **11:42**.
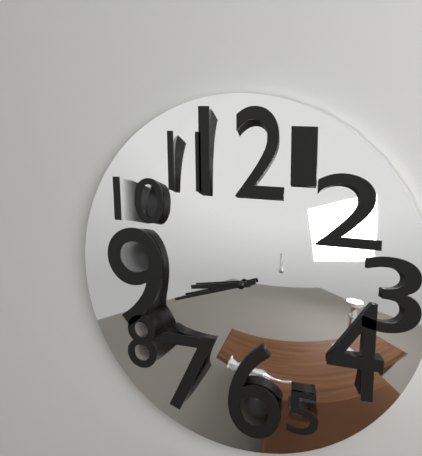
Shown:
**8:42**
